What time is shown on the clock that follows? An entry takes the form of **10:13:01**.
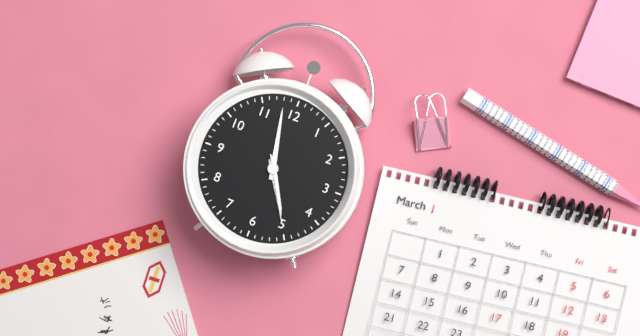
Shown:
**4:58:25**
